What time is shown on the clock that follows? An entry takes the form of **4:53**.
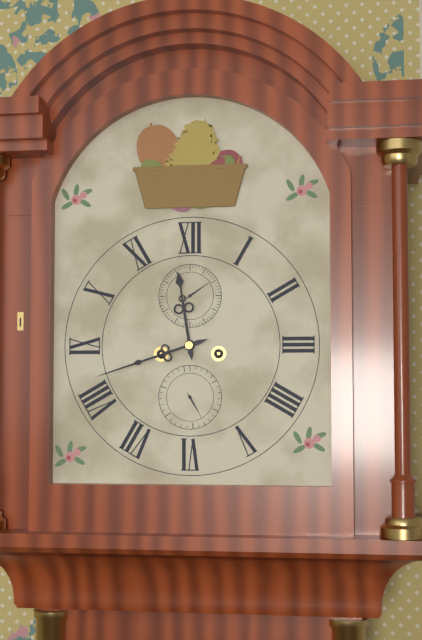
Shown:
**11:42**
